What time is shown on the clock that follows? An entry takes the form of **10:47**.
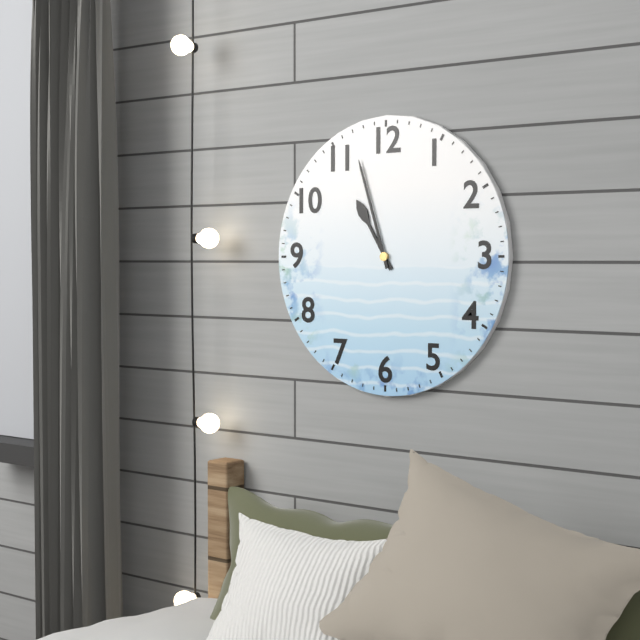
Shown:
**10:57**
